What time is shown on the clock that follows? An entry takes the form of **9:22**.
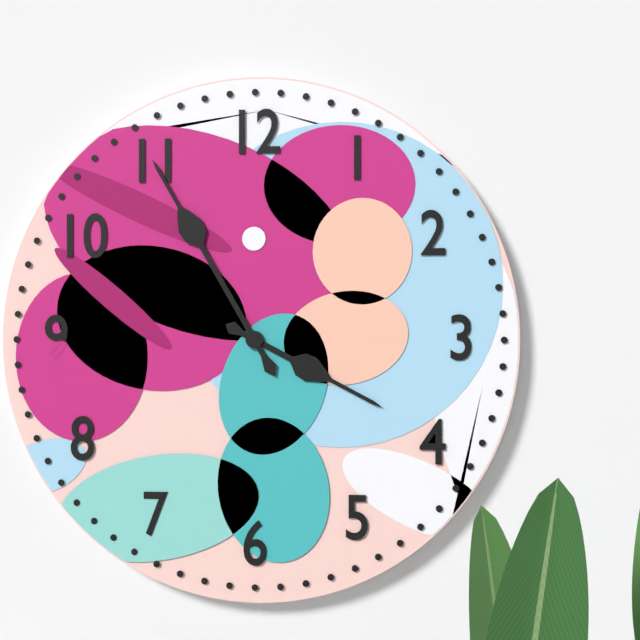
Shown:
**3:55**
